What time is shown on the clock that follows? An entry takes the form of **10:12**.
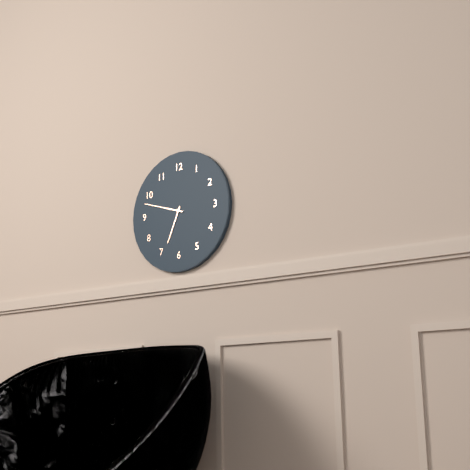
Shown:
**6:48**
